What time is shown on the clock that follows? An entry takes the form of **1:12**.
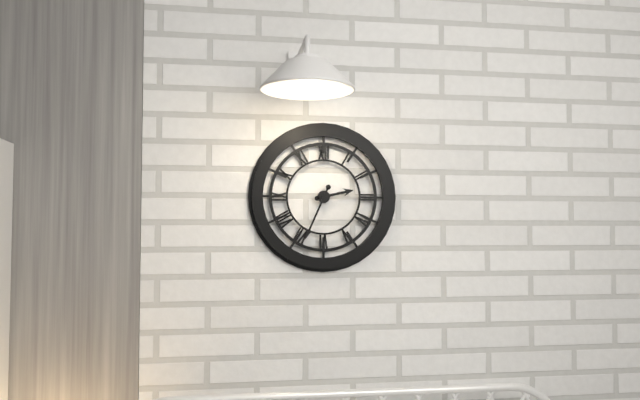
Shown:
**2:34**
